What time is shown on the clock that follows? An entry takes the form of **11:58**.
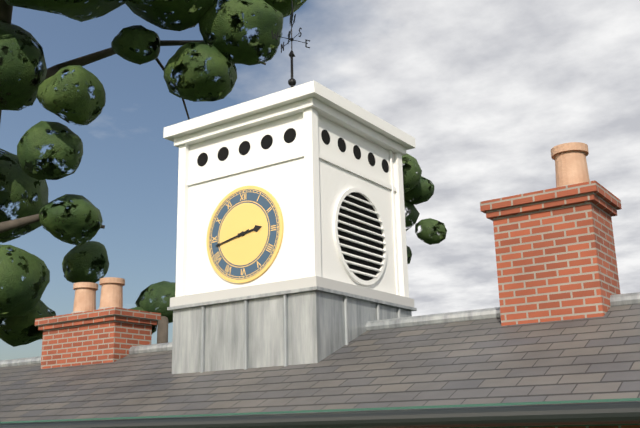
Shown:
**2:43**
